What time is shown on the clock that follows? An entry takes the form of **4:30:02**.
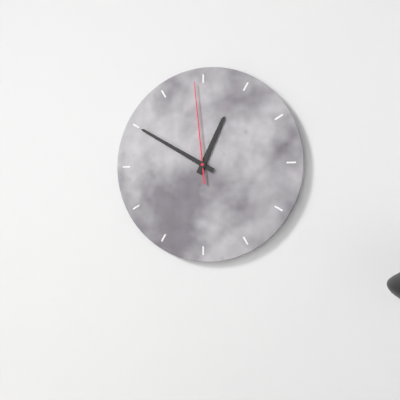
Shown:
**12:50:59**
